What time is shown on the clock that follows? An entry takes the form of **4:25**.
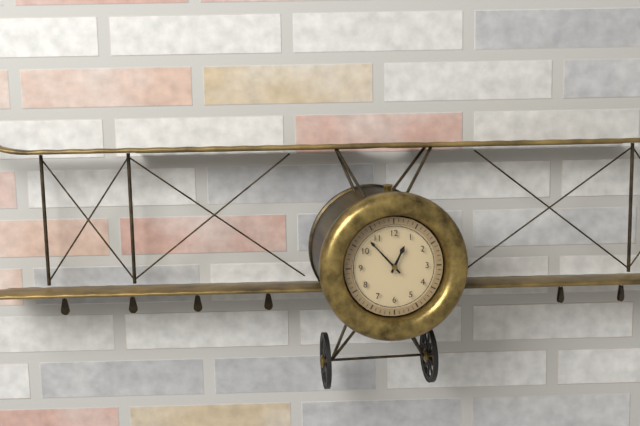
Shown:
**12:53**
